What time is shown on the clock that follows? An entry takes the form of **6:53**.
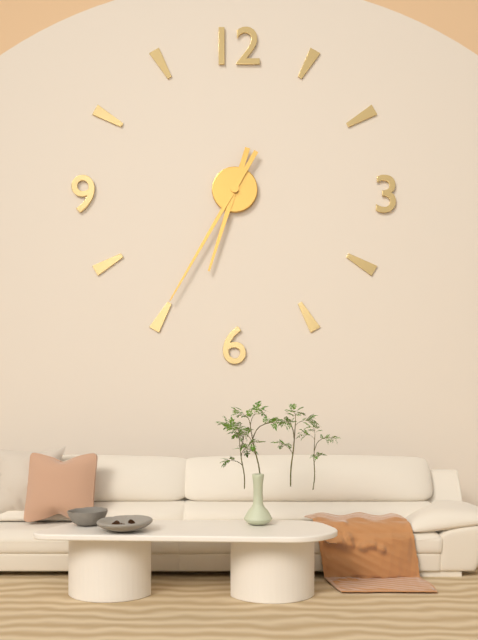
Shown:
**6:35**
